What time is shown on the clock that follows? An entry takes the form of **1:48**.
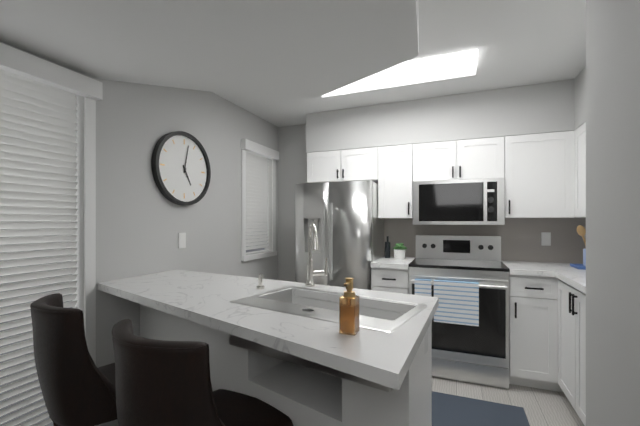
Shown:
**5:02**
